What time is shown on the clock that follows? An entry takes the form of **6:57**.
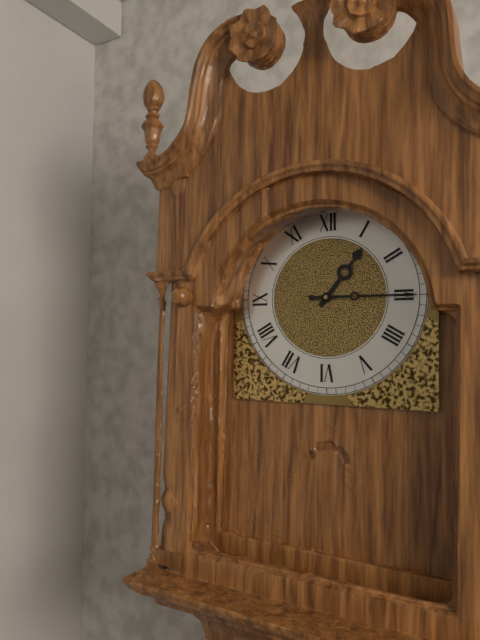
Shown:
**1:15**
